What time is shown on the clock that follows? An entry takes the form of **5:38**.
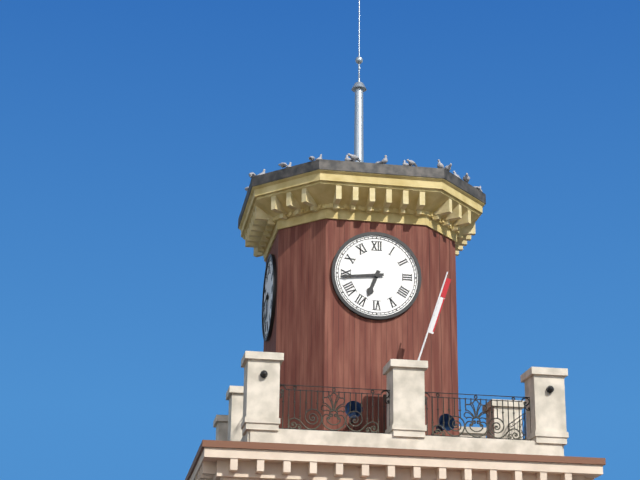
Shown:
**6:44**
